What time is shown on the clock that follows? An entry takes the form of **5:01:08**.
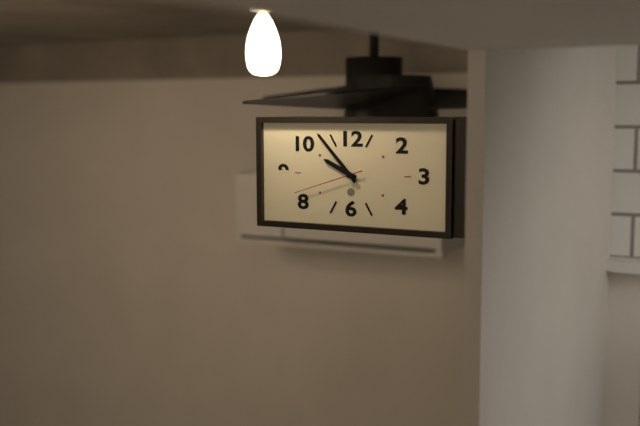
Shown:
**9:53:42**
